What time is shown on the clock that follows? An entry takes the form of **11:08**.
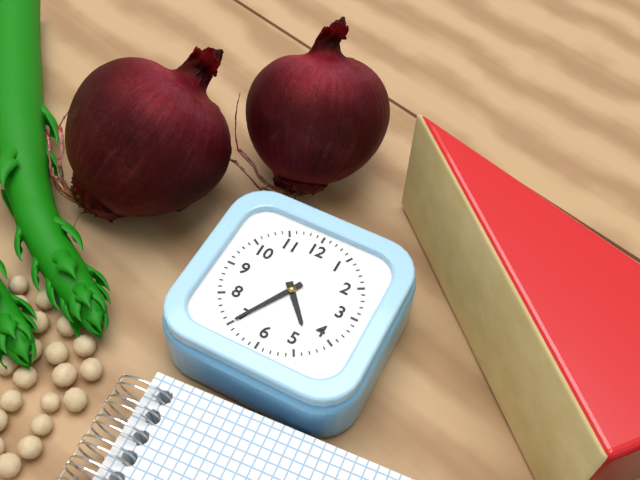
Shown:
**4:35**
